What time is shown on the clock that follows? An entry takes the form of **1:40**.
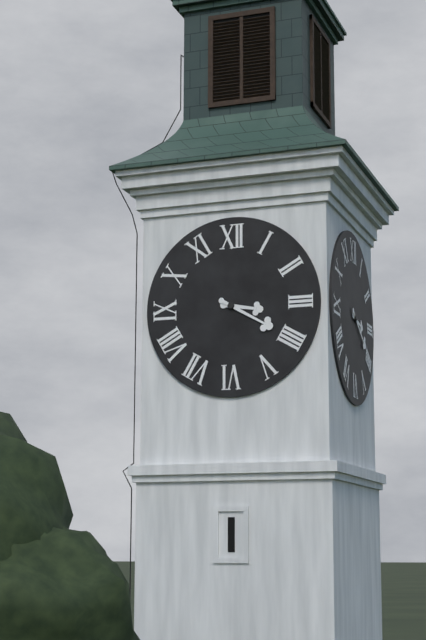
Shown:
**3:20**
